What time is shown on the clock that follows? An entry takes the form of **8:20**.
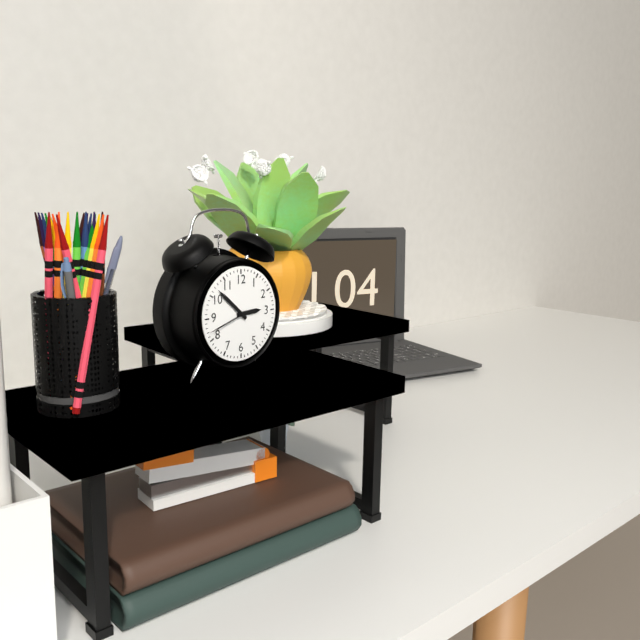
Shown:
**2:52**
